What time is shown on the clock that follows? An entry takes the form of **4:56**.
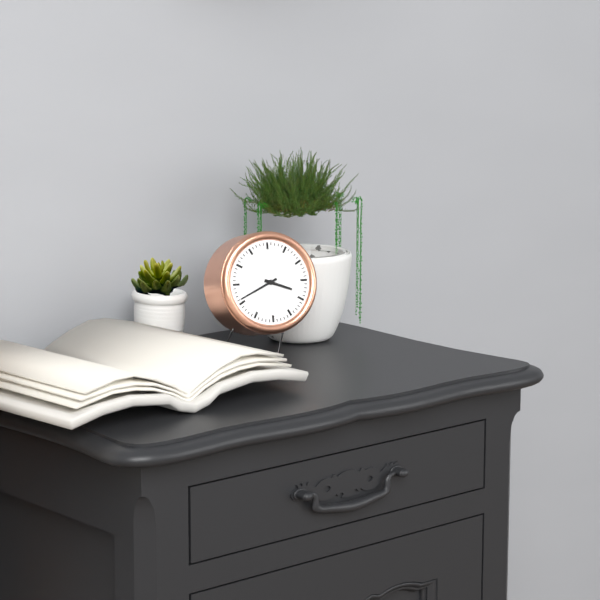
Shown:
**3:41**
